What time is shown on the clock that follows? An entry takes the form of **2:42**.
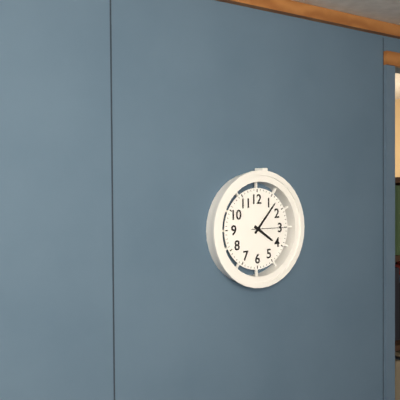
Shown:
**4:07**
